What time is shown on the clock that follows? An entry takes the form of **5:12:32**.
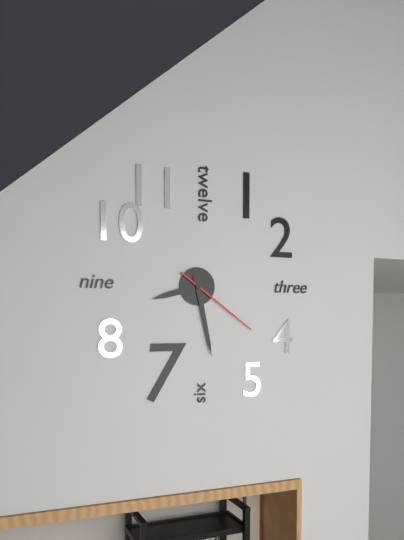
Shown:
**8:28:21**
